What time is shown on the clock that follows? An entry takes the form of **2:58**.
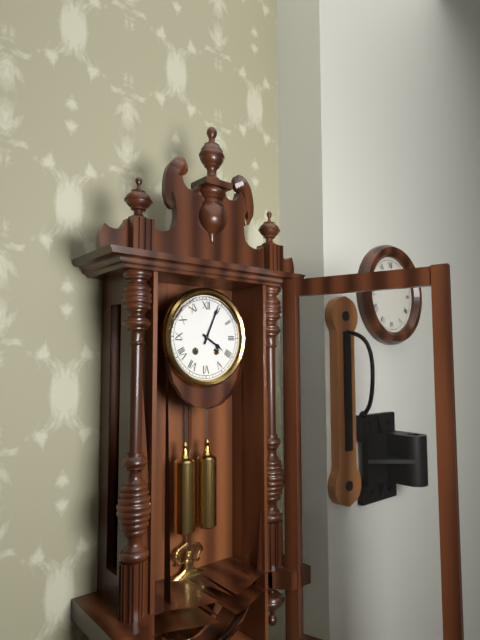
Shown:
**4:04**
